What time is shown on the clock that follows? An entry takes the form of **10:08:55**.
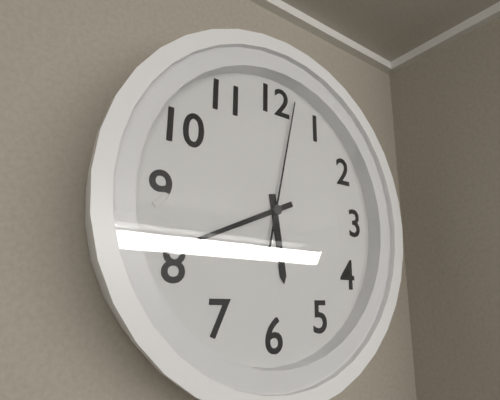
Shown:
**5:41:02**
